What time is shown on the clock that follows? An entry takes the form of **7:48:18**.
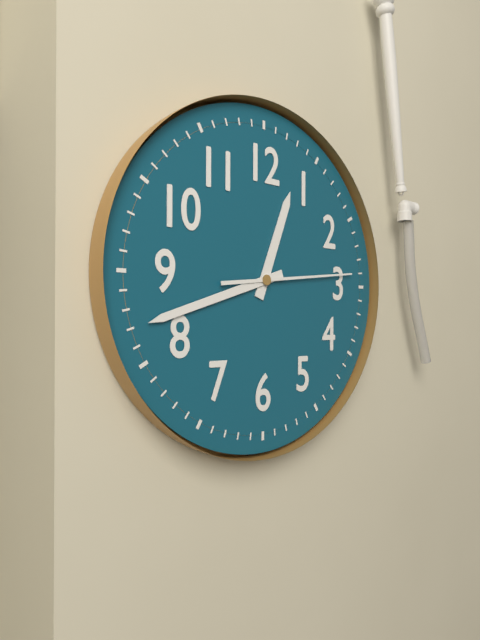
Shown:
**12:42:14**
